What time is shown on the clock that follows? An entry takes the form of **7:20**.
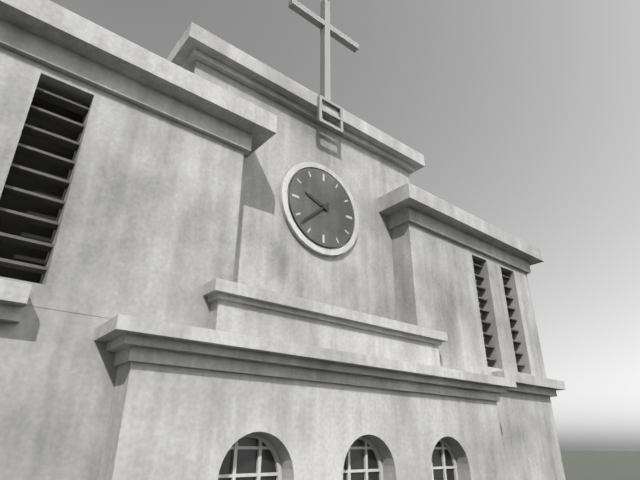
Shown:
**9:38**
